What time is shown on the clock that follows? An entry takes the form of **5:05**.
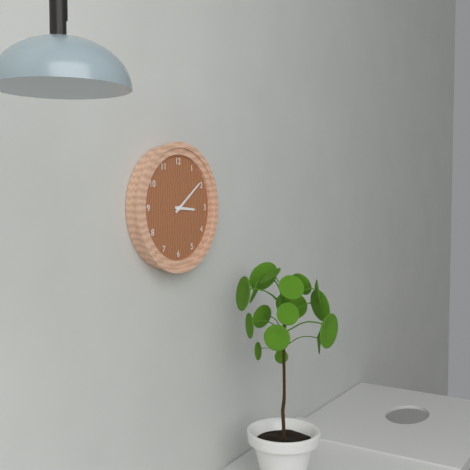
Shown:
**3:09**
